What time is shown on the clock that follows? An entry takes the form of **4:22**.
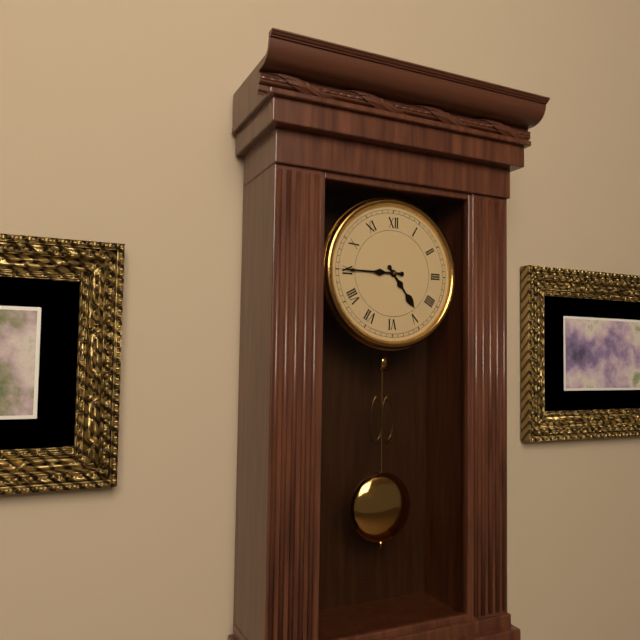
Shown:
**4:45**
